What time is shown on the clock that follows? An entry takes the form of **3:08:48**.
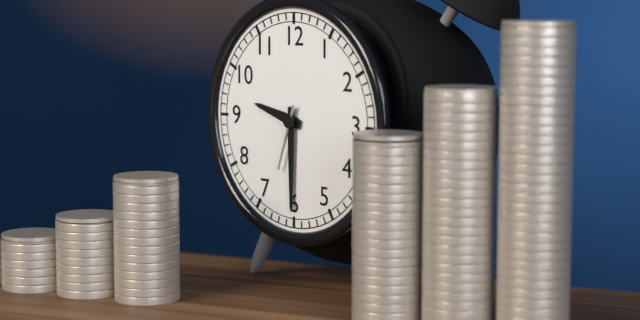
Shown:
**9:30:33**
